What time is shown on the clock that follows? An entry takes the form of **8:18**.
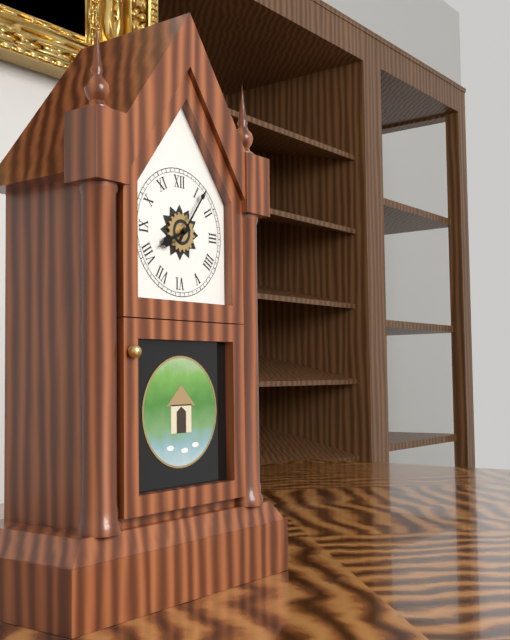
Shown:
**8:06**
